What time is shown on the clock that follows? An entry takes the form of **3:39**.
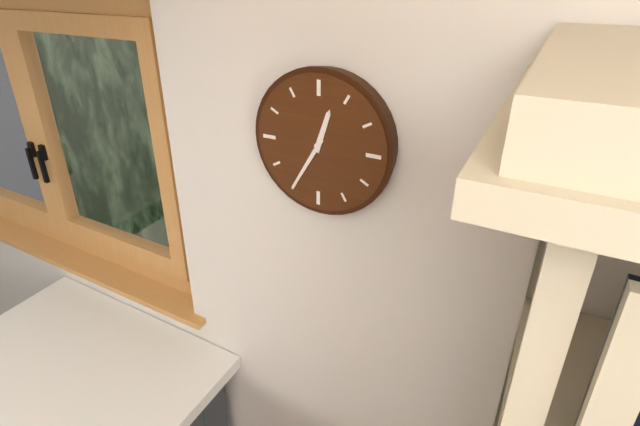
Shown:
**12:35**
